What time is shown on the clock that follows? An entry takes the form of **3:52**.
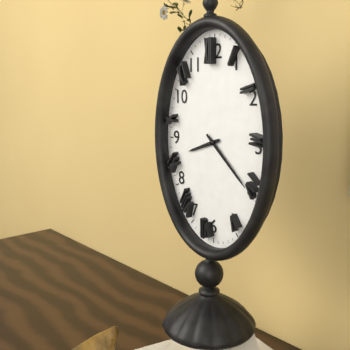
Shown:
**8:22**
